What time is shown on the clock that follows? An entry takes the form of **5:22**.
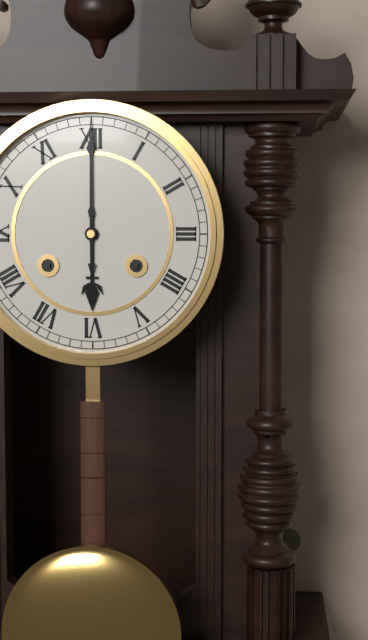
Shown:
**6:00**
